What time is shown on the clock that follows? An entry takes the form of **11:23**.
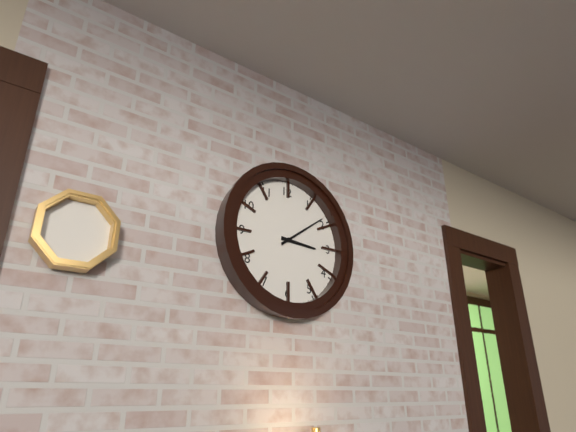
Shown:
**3:09**
